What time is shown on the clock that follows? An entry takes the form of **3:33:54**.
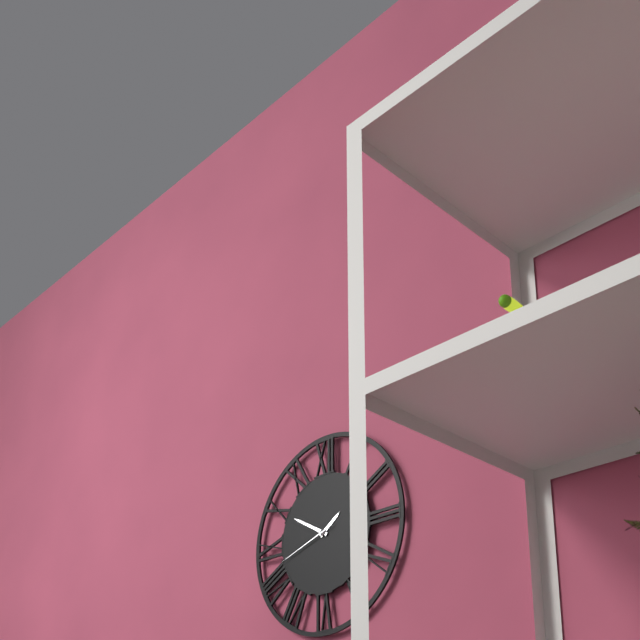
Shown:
**1:50:42**
